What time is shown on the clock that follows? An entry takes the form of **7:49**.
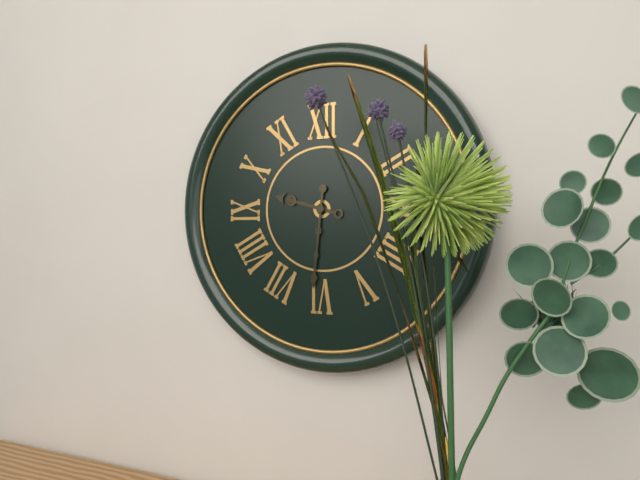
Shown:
**9:31**
